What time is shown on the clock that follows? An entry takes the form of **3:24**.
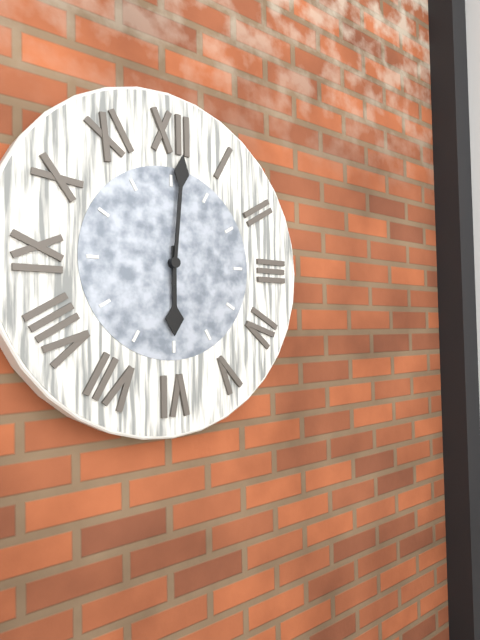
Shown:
**6:01**
